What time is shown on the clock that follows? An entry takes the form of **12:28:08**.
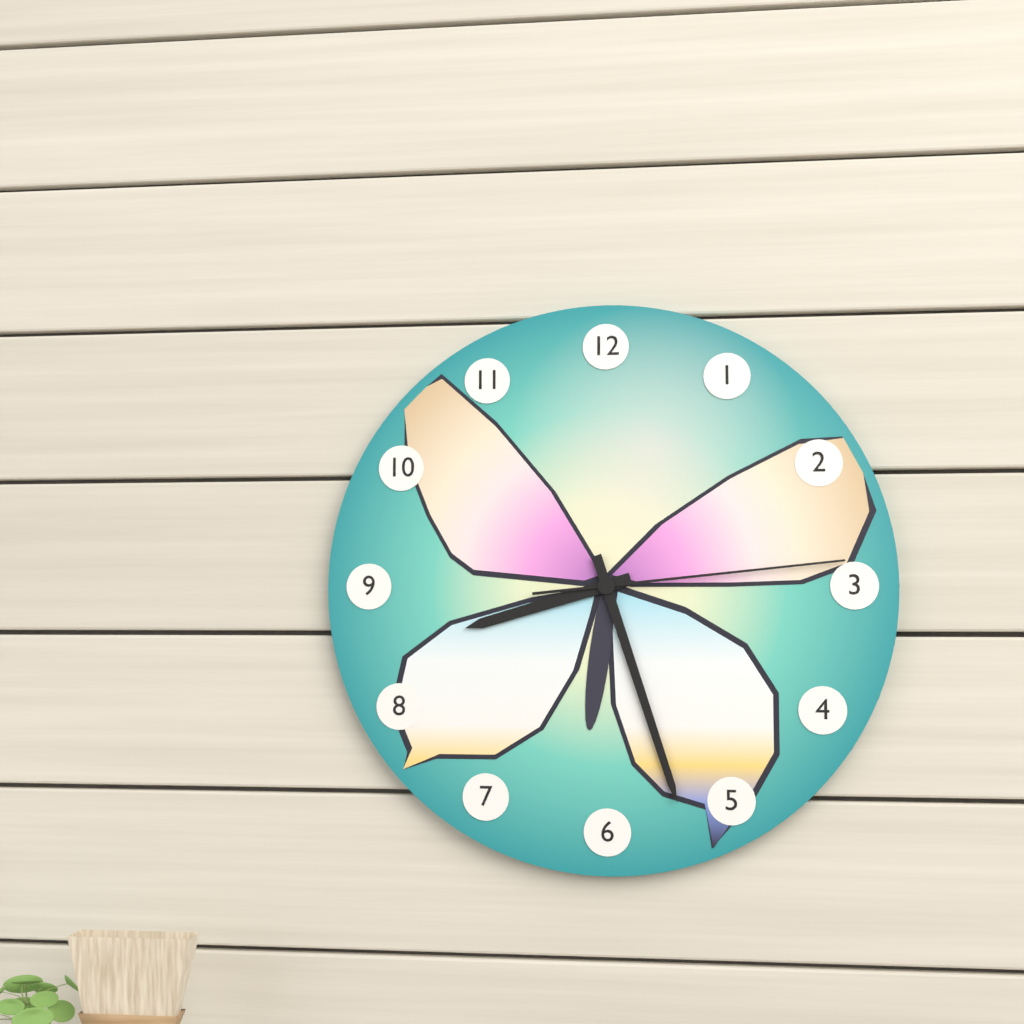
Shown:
**8:27:14**
